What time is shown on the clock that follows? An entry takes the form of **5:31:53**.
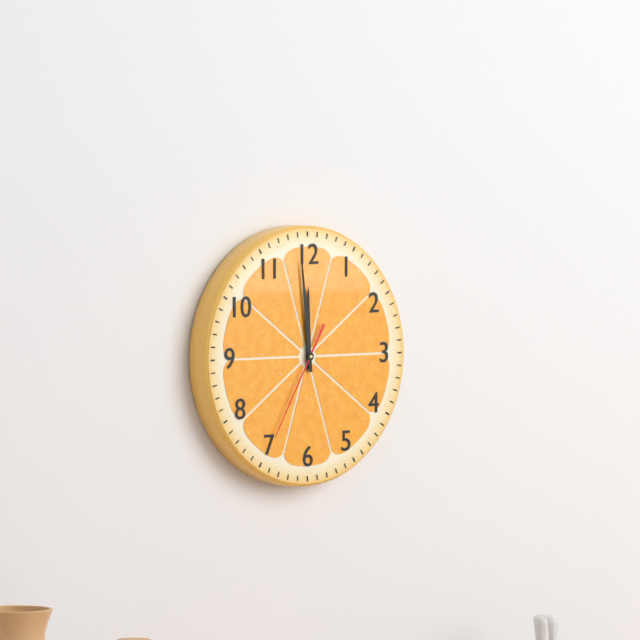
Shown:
**11:59:35**
